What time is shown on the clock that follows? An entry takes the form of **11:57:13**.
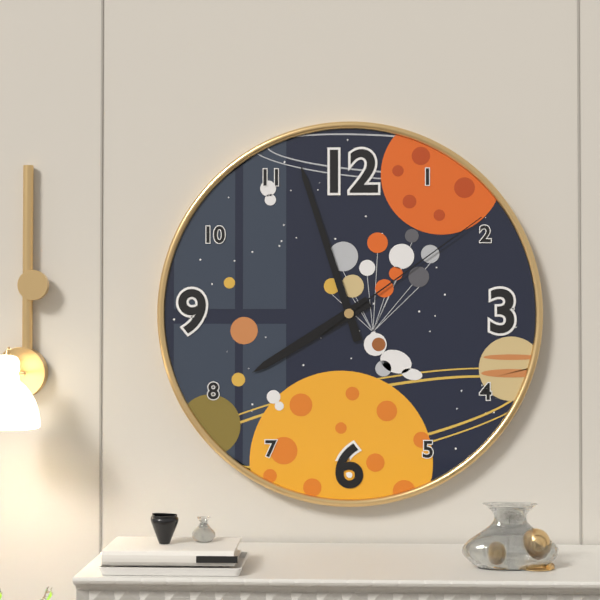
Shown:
**7:57:09**
